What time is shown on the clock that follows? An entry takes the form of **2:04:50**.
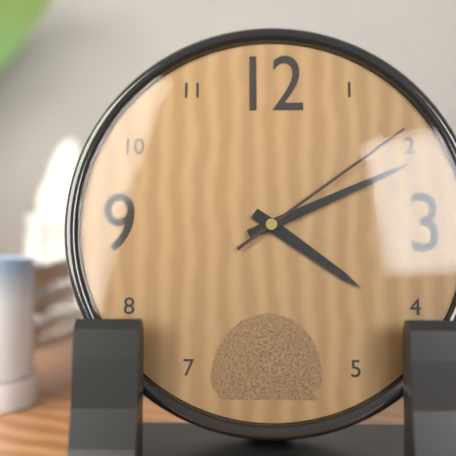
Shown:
**4:11:09**
